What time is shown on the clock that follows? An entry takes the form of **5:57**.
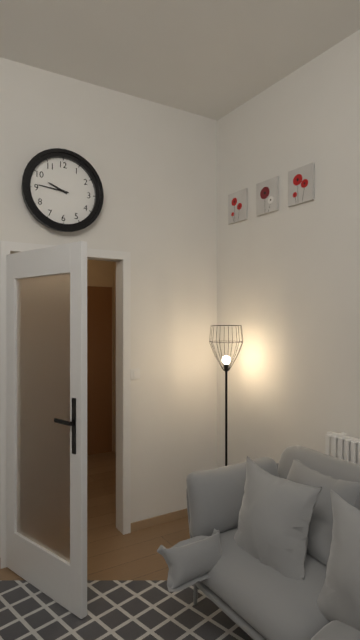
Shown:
**9:46**
